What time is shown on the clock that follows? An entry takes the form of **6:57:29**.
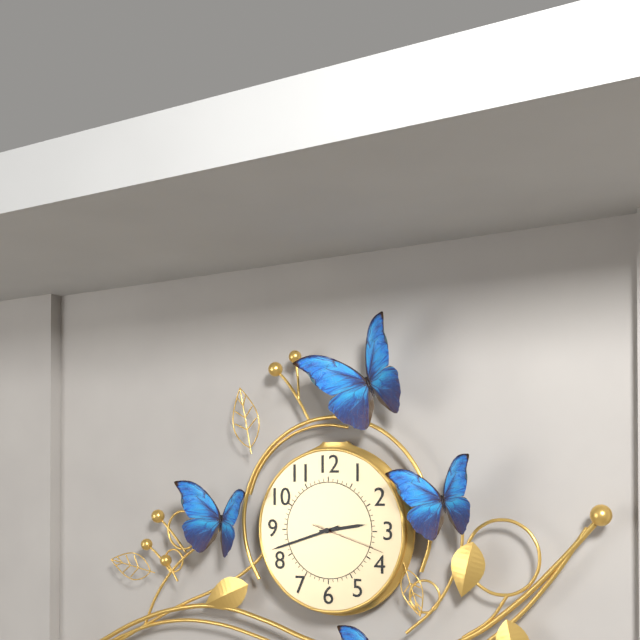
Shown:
**2:42:18**
